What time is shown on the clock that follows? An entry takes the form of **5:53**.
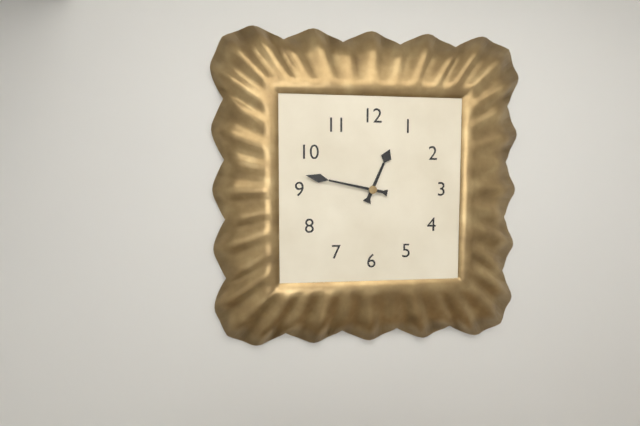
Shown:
**12:47**
